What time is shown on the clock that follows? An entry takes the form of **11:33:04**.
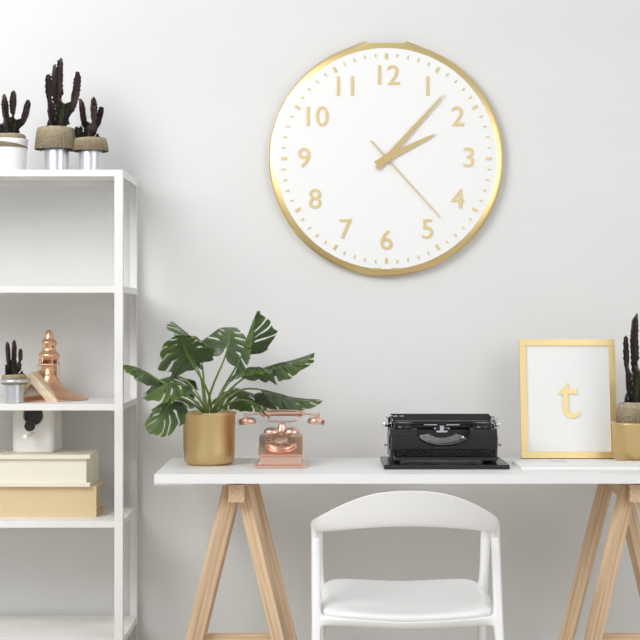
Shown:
**2:07:23**
